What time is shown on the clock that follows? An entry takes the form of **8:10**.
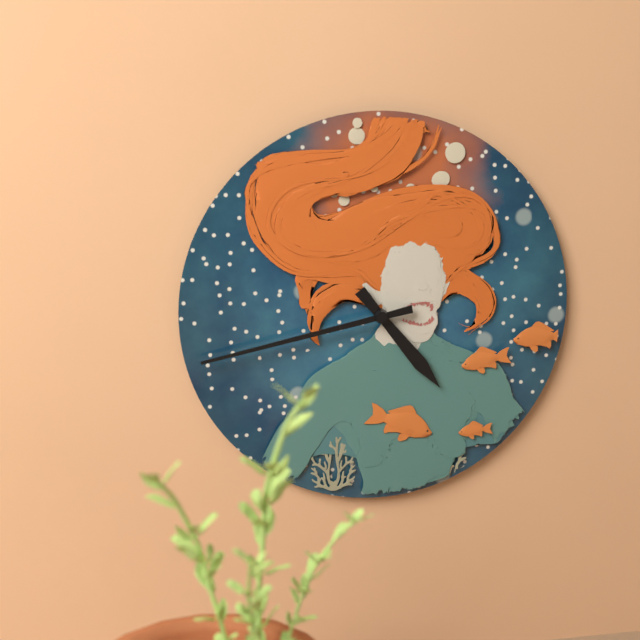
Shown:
**4:43**
